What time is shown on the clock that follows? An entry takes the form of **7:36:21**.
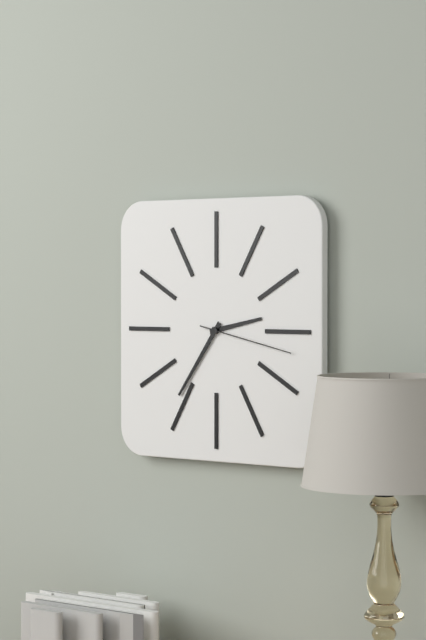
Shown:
**2:36:17**
